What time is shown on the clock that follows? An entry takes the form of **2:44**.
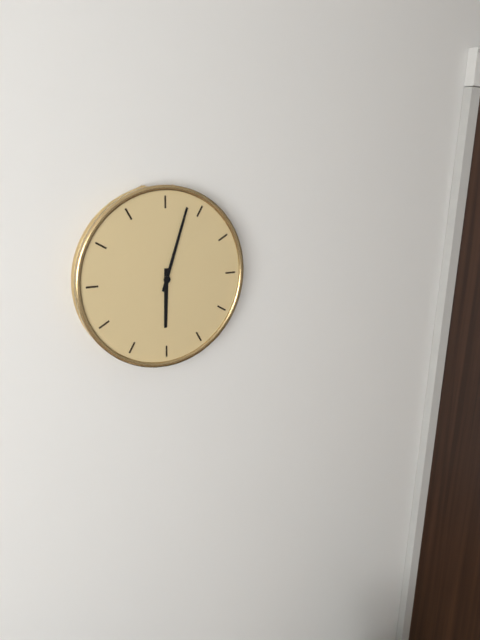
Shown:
**6:03**
